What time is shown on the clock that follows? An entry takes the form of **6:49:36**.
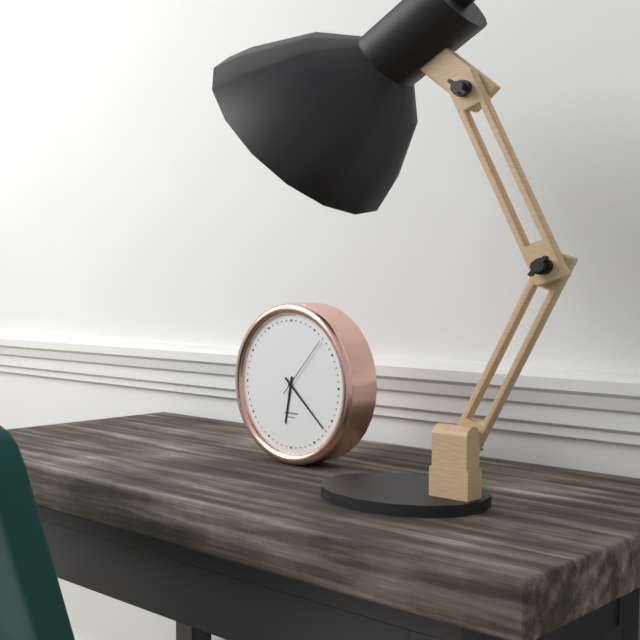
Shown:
**6:22:07**
